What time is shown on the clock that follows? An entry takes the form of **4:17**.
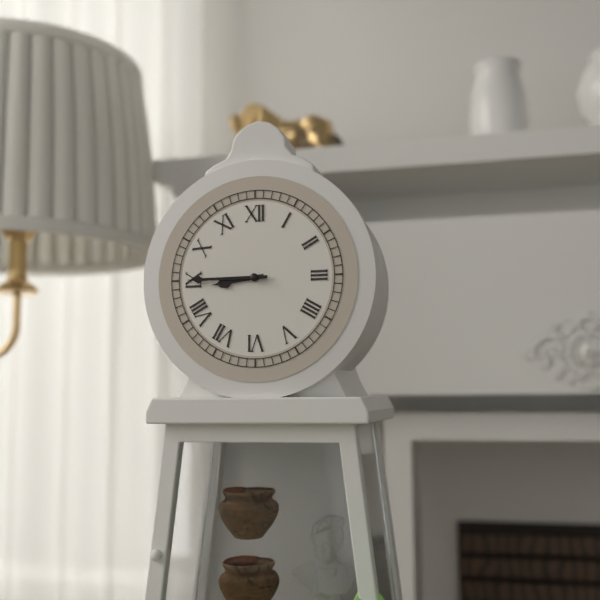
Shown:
**8:45**
